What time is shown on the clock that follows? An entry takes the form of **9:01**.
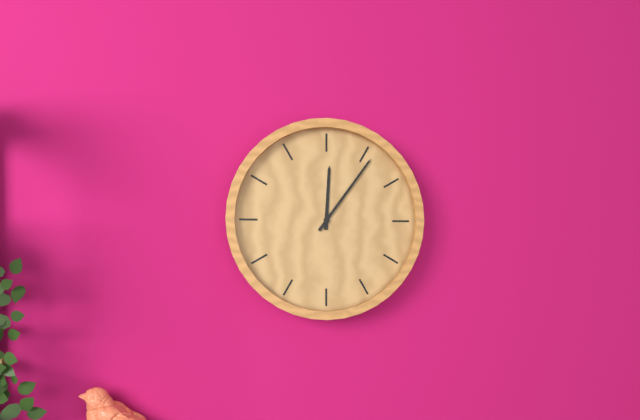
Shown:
**12:06**
